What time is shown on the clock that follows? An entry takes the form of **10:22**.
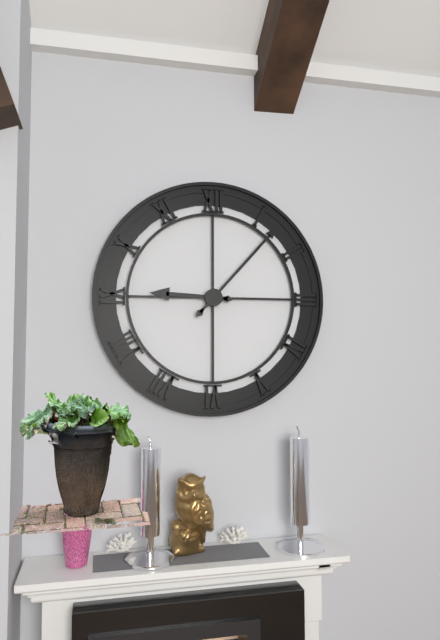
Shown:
**9:07**
